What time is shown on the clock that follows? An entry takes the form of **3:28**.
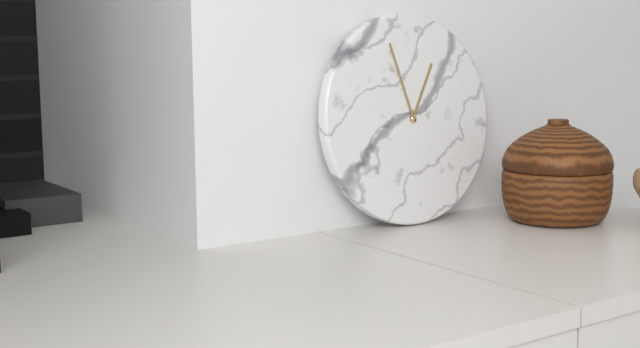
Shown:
**12:57**
